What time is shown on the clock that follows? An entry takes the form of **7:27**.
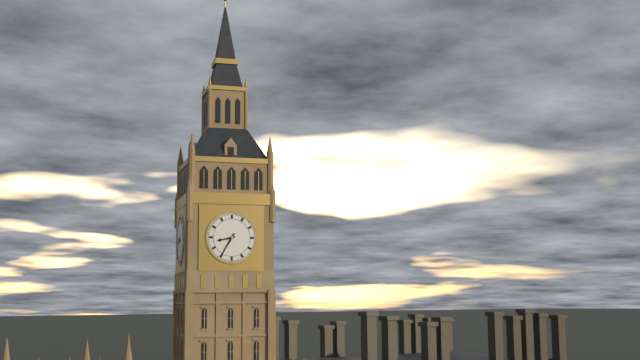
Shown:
**8:35**
